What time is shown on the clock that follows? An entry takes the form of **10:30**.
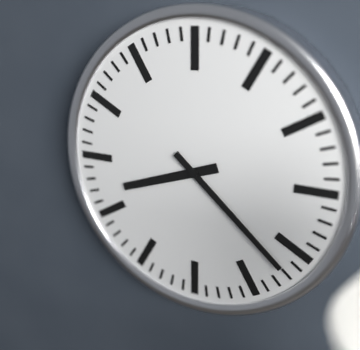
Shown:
**8:22**
